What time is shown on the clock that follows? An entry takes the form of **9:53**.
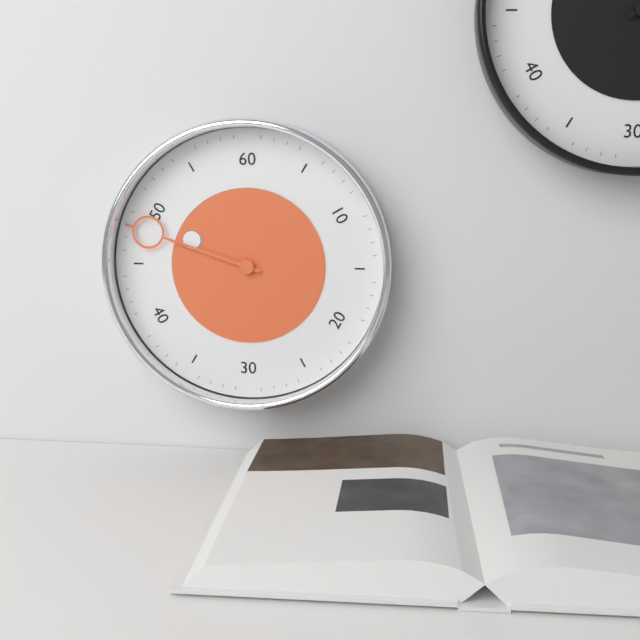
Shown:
**9:48**
